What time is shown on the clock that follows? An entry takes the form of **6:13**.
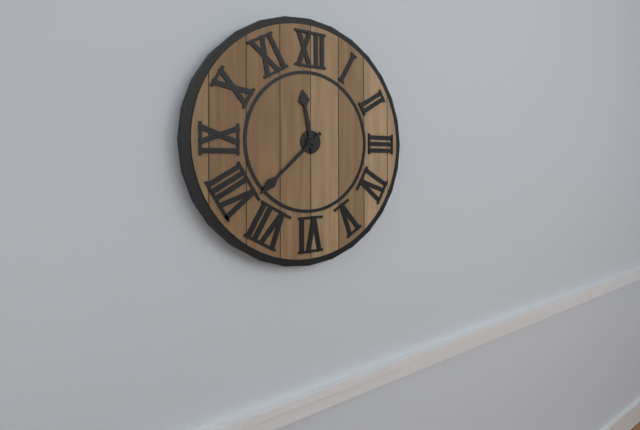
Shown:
**11:38**
